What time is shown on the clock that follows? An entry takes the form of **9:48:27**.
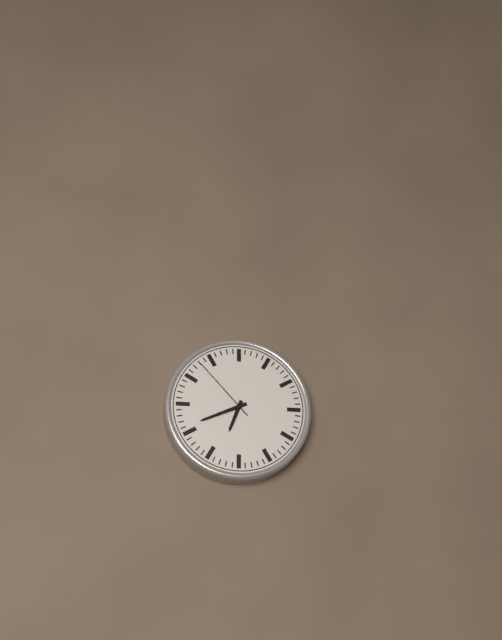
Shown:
**6:41:53**
